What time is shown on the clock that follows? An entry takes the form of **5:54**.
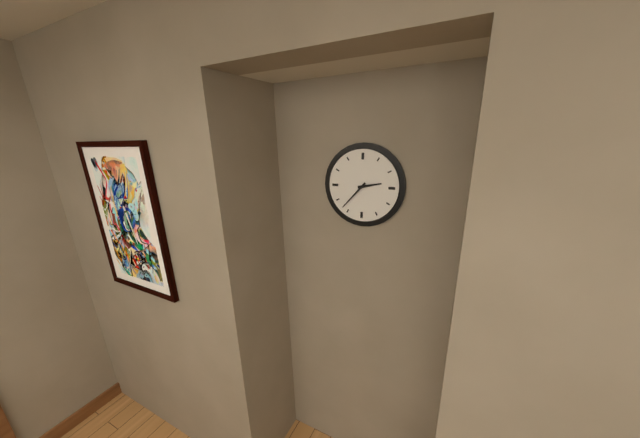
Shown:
**2:37**
